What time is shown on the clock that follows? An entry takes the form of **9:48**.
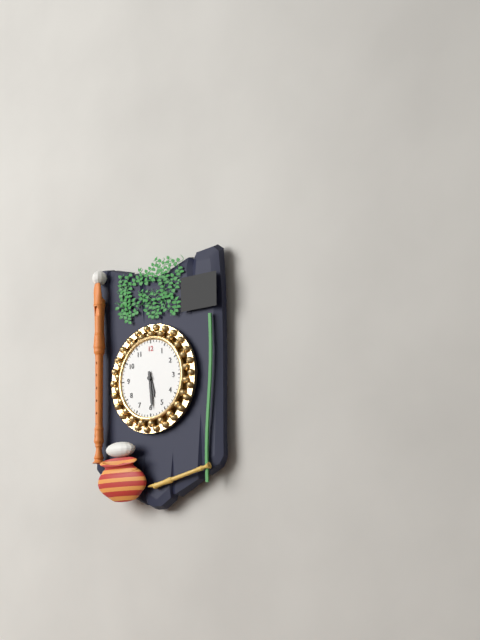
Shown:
**5:29**
